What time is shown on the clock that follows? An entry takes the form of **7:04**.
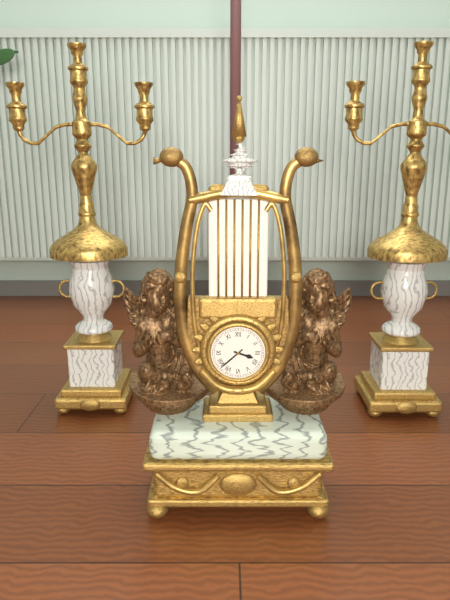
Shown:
**3:38**
